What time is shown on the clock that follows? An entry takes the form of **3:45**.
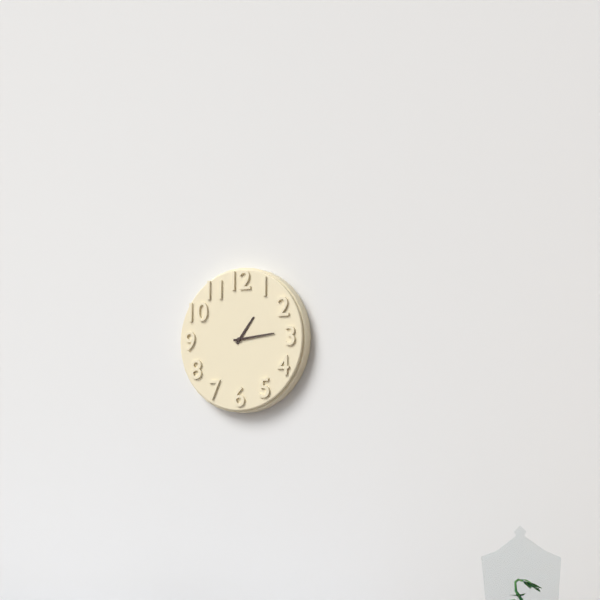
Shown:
**1:14**
